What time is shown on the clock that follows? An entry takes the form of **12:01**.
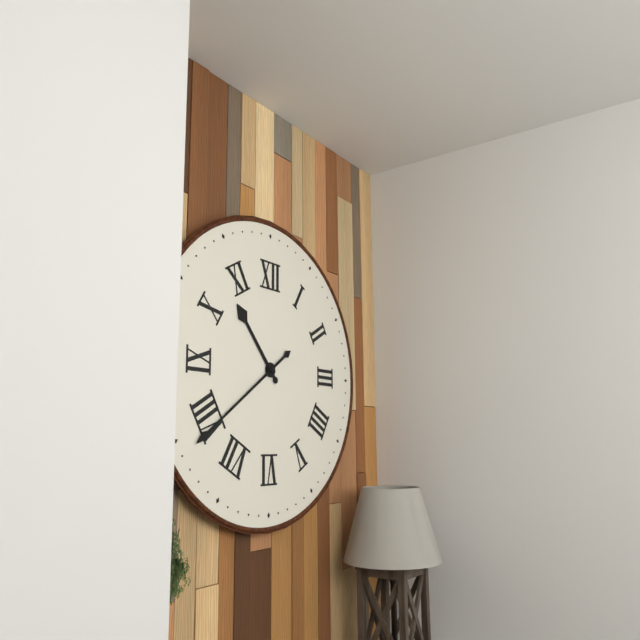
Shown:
**10:39**
